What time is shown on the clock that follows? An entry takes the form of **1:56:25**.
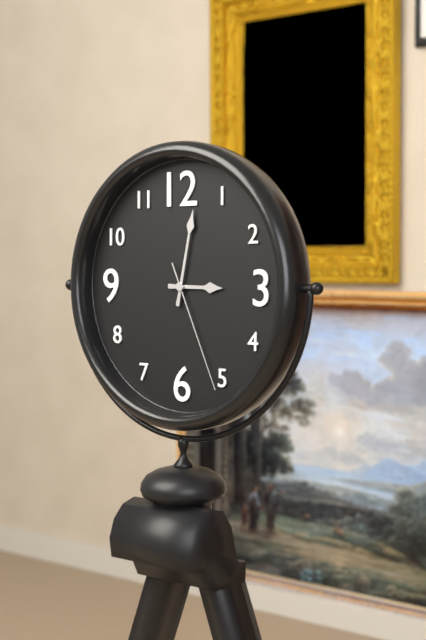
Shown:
**3:02:26**
